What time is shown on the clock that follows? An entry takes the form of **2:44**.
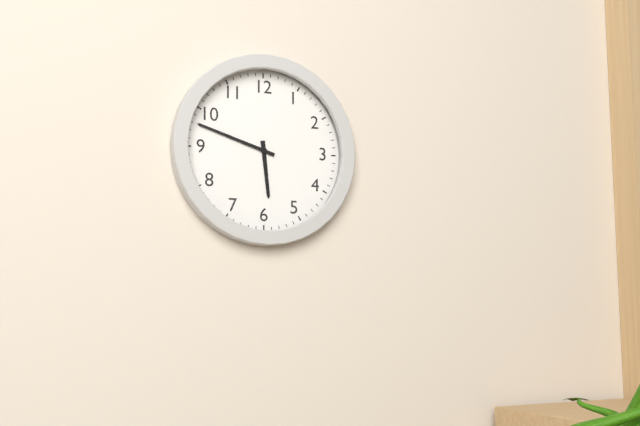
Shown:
**5:48**
